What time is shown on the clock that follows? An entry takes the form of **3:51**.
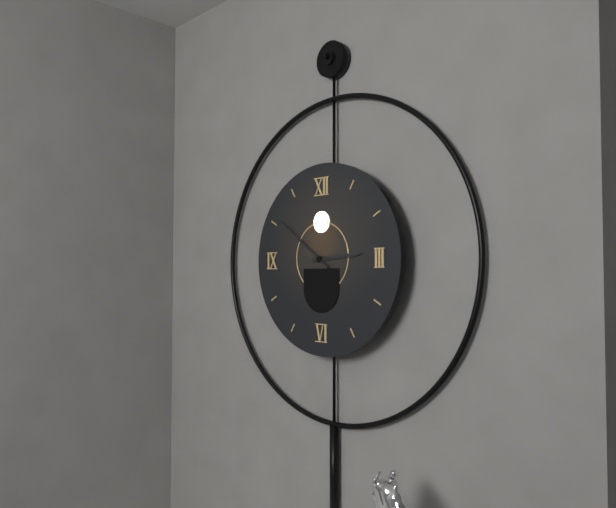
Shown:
**2:51**
